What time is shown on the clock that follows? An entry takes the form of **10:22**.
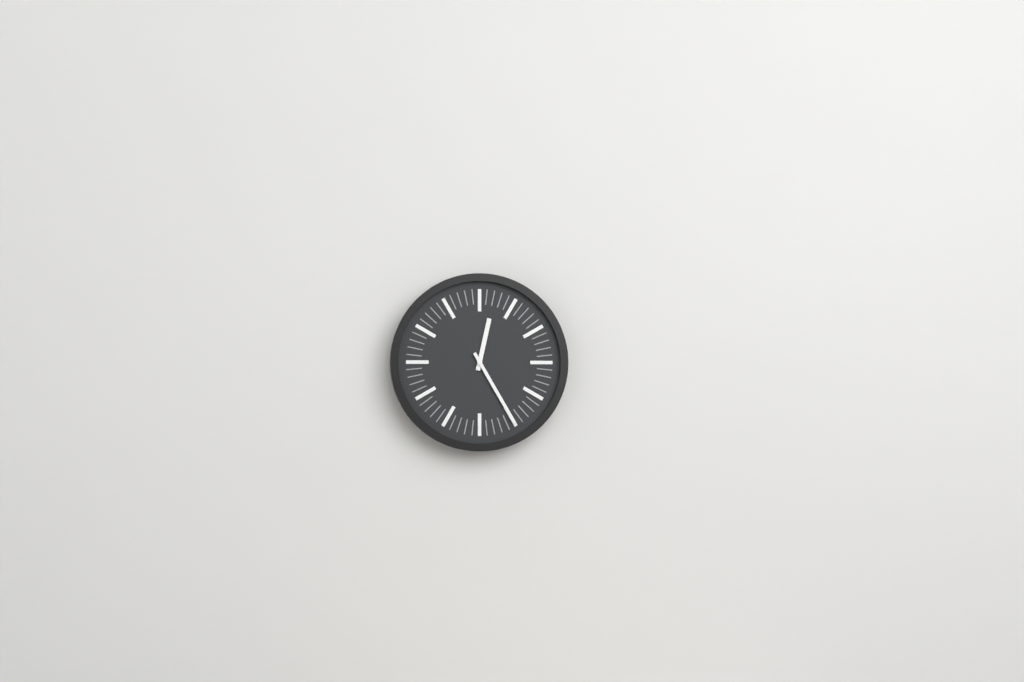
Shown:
**12:25**
